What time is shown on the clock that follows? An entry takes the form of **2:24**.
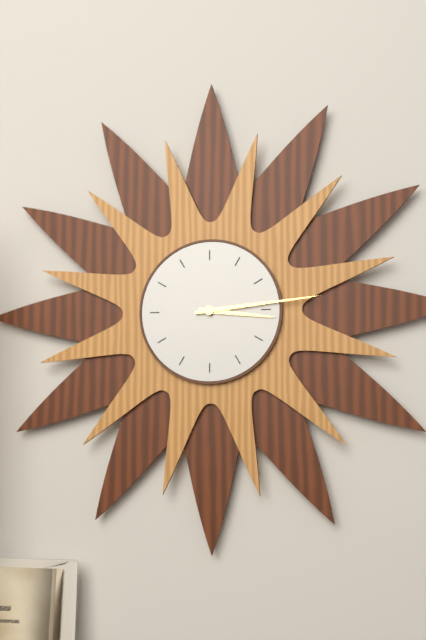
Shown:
**3:14**
